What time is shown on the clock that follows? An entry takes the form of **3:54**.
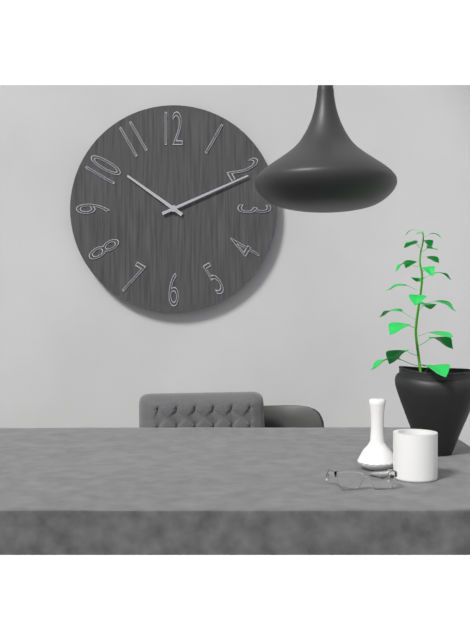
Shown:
**10:11**
